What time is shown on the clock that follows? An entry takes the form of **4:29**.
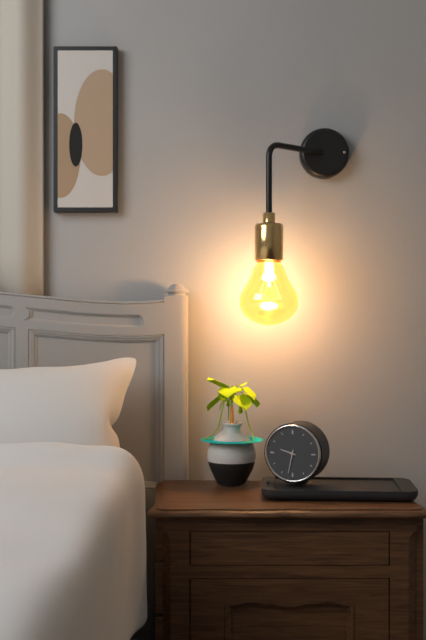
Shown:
**9:32**
